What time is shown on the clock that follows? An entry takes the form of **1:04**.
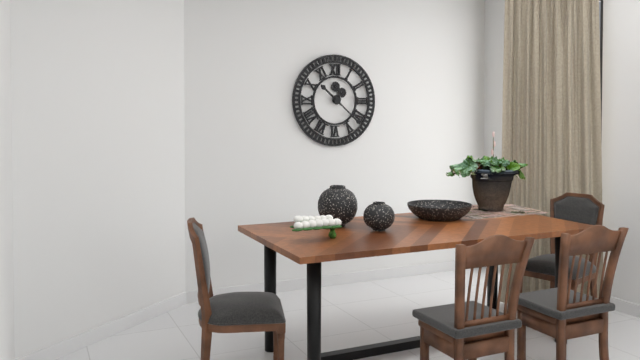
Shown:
**10:22**
